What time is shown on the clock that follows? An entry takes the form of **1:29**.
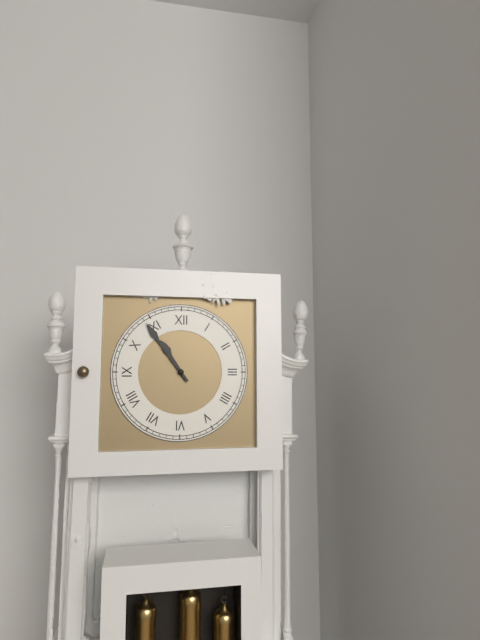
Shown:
**10:54**
